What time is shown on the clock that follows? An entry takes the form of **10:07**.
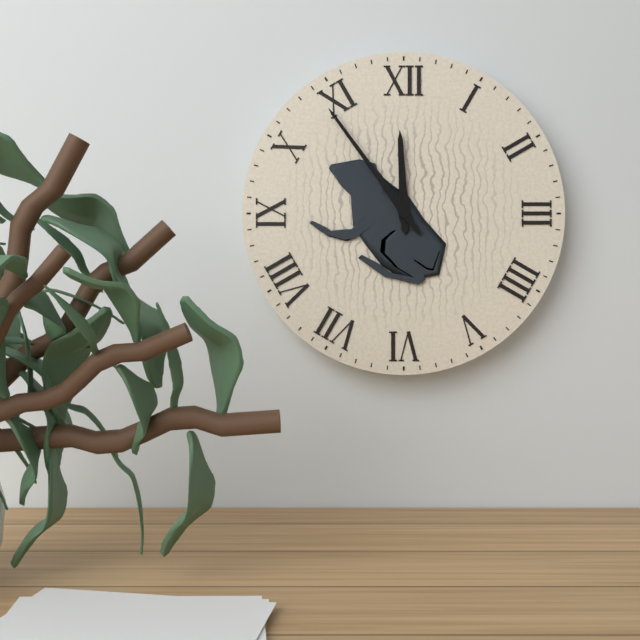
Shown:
**11:54**
